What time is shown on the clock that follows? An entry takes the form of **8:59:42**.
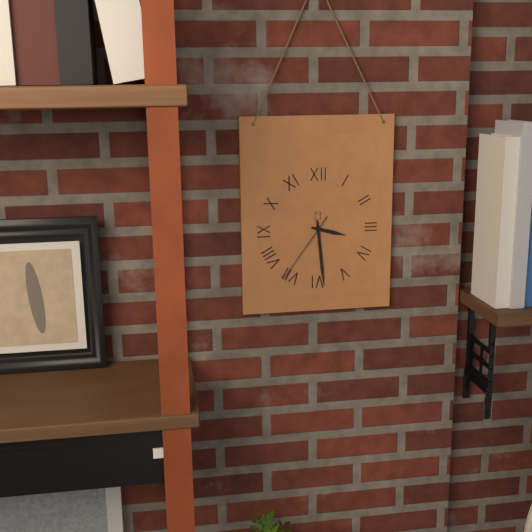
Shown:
**3:29:36**
